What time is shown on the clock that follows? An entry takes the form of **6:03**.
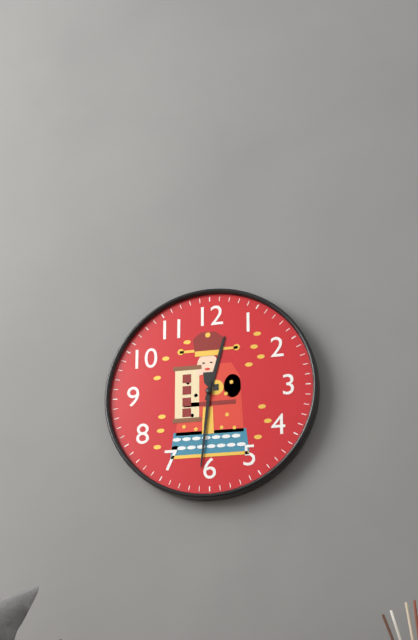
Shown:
**12:31**
